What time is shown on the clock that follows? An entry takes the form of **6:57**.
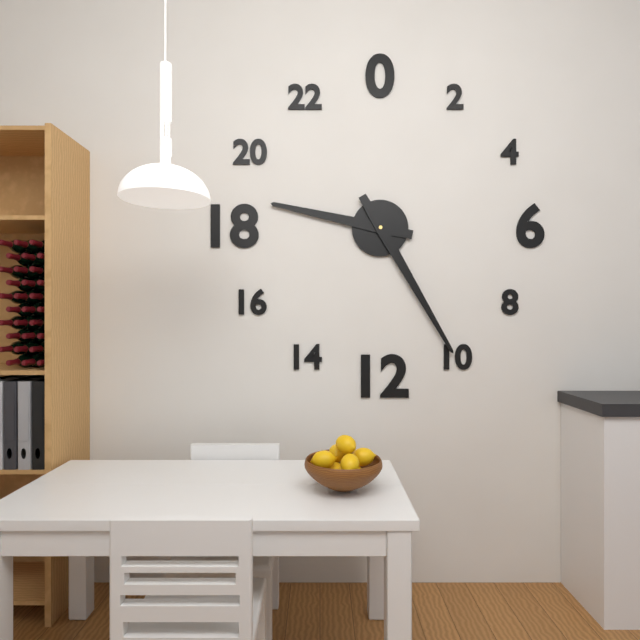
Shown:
**9:25**
